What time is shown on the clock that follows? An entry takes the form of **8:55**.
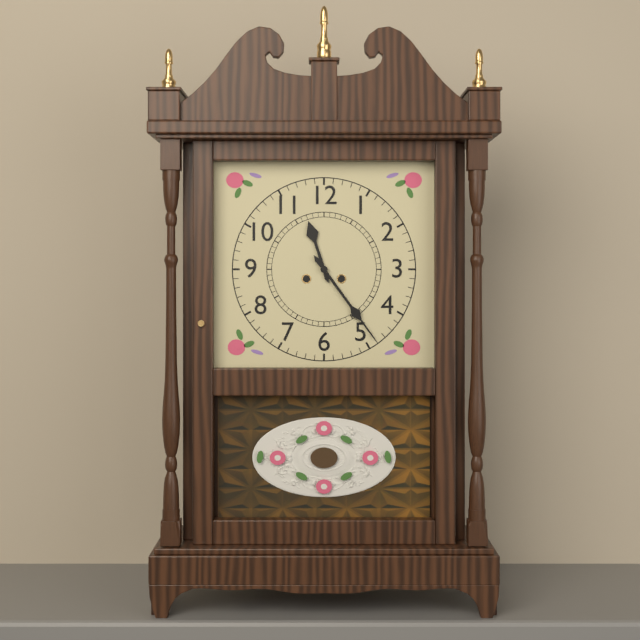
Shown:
**11:24**
